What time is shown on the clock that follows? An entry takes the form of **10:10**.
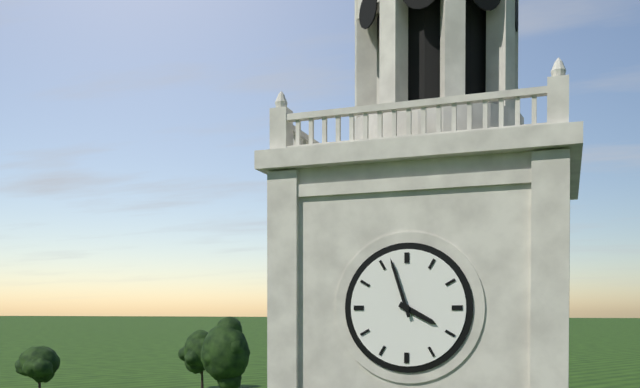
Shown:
**3:57**
